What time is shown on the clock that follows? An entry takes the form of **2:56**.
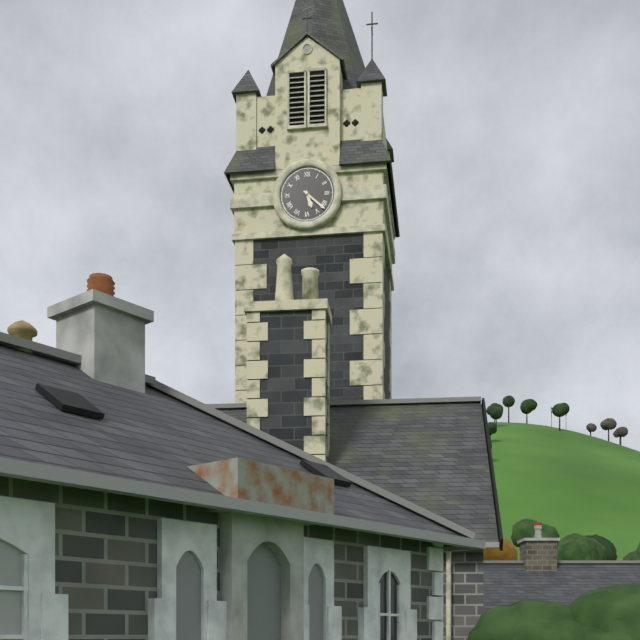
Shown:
**5:22**
